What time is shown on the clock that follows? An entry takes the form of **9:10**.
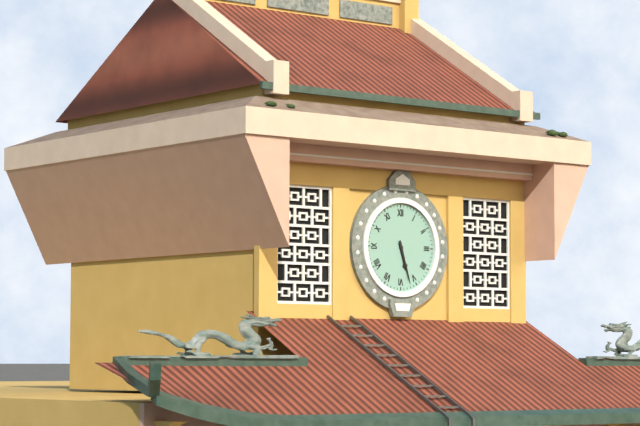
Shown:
**5:27**
